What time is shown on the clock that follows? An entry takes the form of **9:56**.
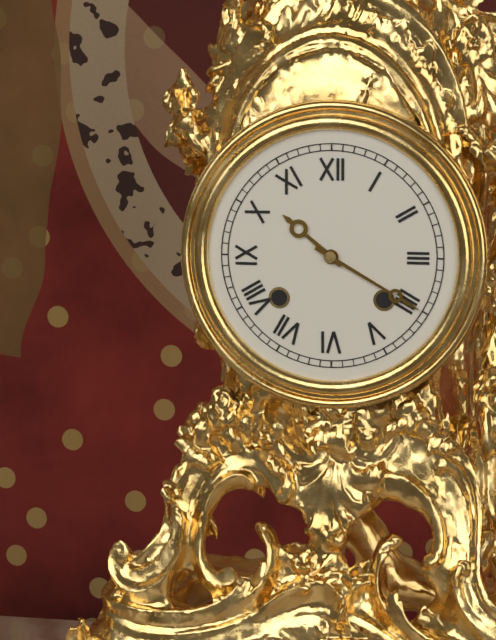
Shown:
**10:20**
